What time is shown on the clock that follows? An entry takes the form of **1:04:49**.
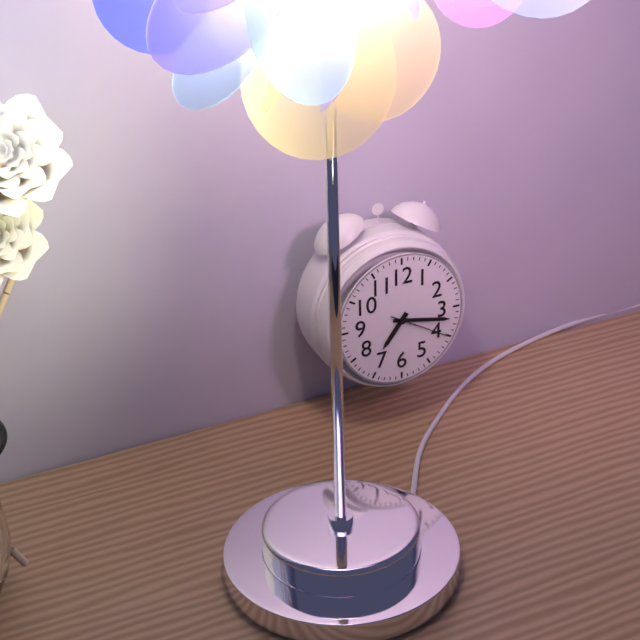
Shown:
**7:17:20**
